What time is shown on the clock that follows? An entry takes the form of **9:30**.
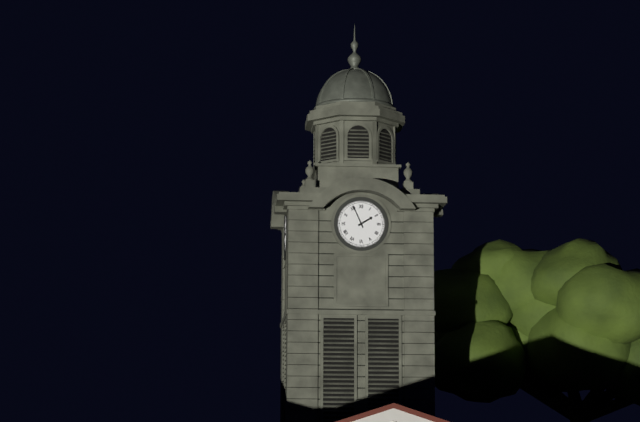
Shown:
**1:56**
